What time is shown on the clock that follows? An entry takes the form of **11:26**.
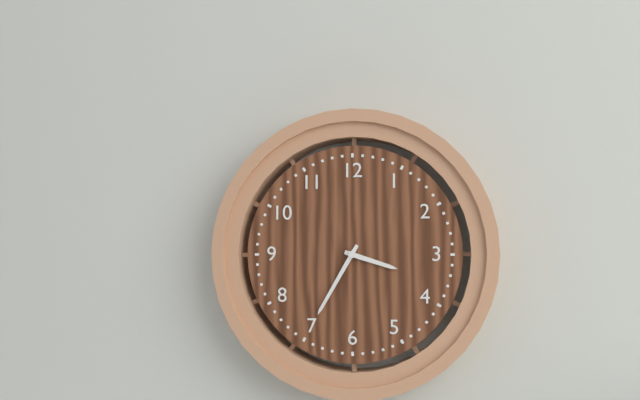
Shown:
**3:35**
